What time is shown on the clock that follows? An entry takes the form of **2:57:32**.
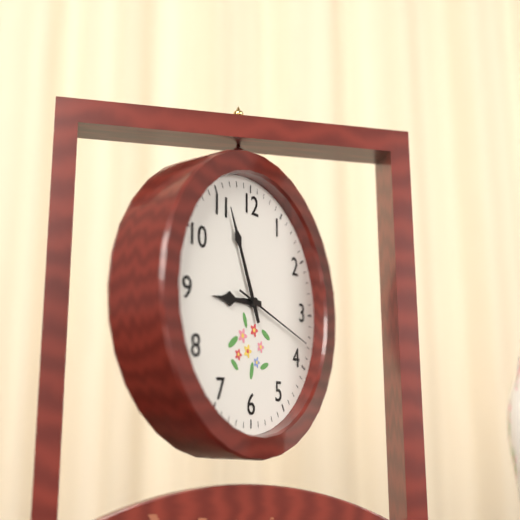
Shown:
**8:56:18**
